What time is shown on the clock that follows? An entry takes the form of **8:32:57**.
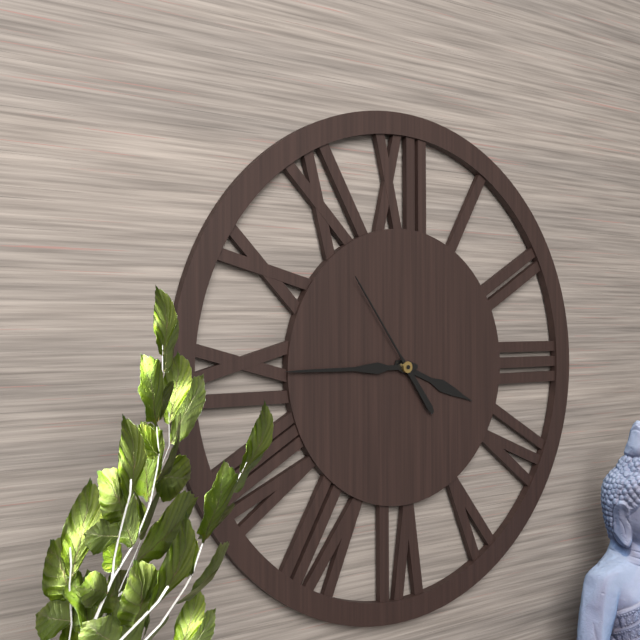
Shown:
**3:45:54**
